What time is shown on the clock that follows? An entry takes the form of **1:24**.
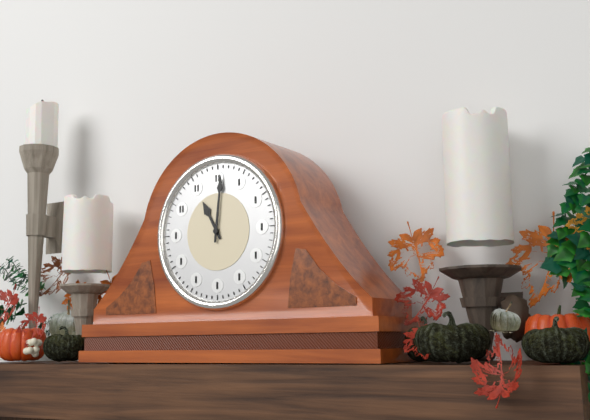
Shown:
**11:01**
